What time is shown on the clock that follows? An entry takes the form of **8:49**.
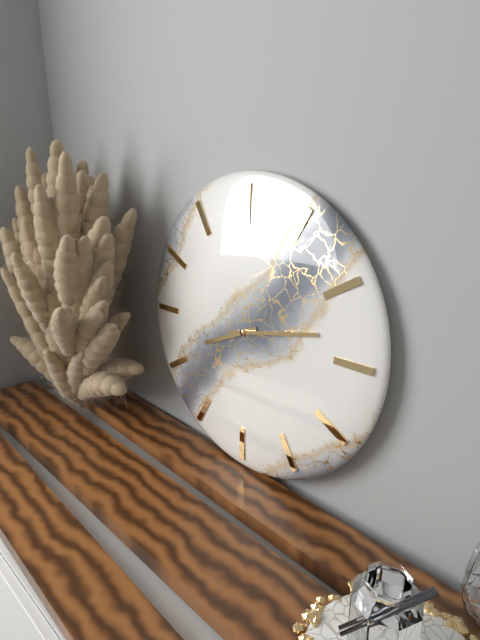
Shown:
**8:13**
